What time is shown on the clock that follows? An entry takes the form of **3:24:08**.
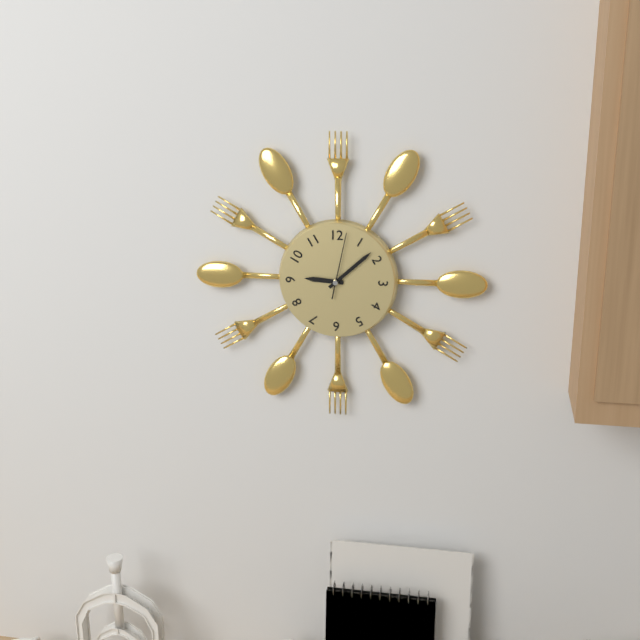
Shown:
**9:08:02**
